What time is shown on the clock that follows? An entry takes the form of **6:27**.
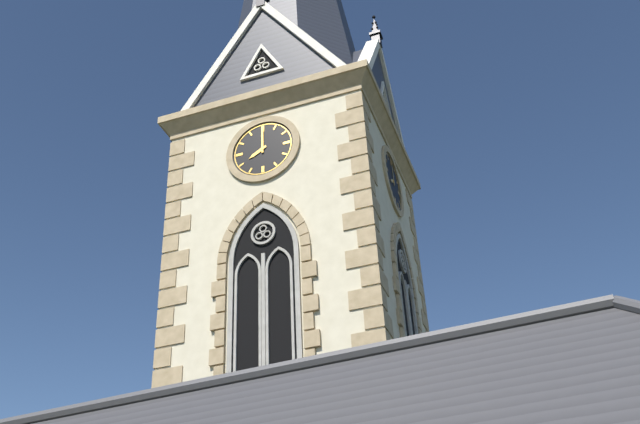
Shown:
**8:00**
